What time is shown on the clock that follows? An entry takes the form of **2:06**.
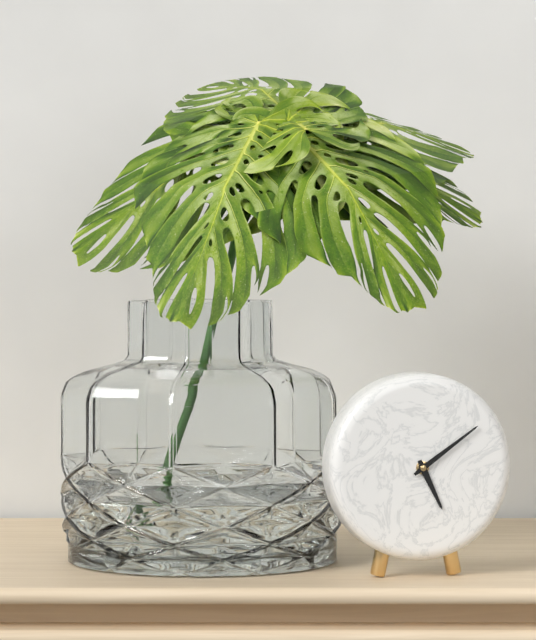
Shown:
**5:09**
